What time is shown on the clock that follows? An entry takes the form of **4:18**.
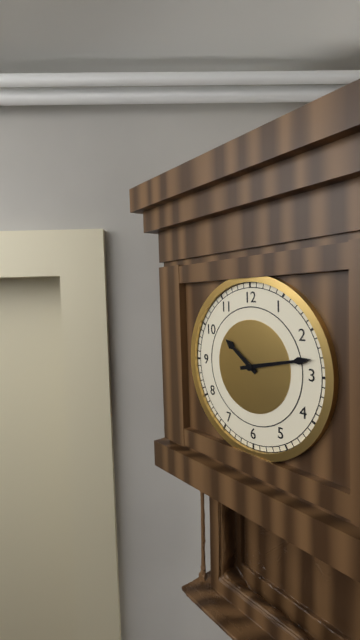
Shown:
**10:13**
